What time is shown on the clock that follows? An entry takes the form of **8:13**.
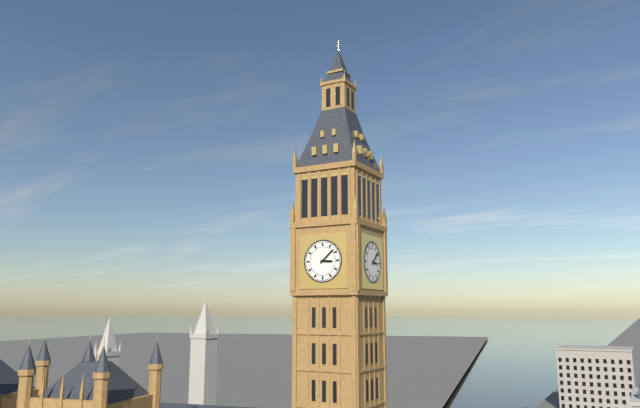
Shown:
**3:08**
